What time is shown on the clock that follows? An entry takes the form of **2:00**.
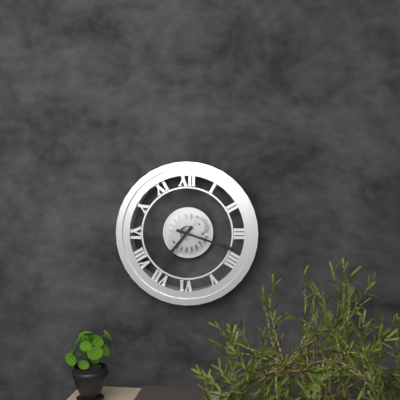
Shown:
**7:18**
